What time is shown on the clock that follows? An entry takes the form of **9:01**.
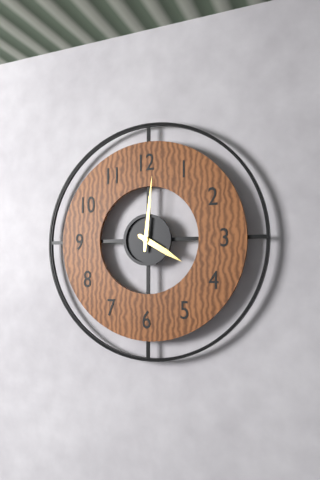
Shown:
**4:01**
